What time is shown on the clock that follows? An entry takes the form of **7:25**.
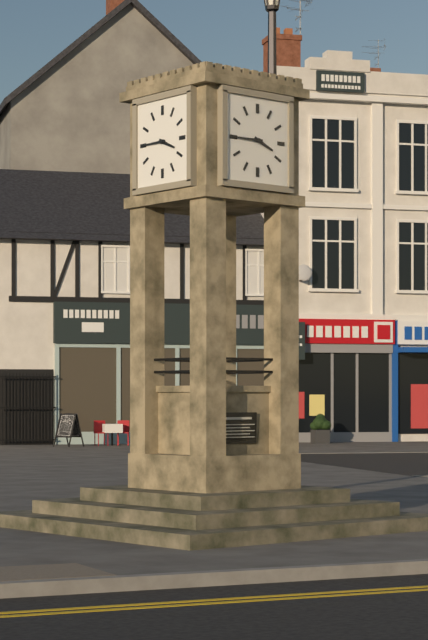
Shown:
**3:45**
